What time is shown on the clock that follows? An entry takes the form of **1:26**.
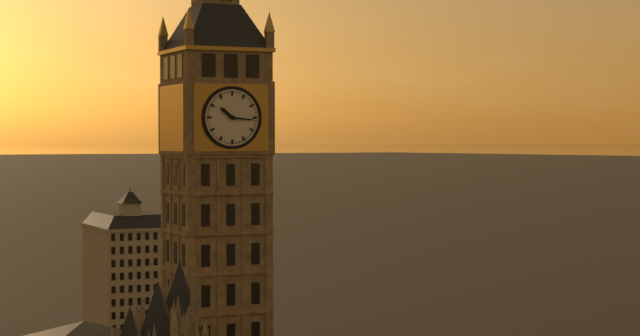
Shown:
**10:16**
